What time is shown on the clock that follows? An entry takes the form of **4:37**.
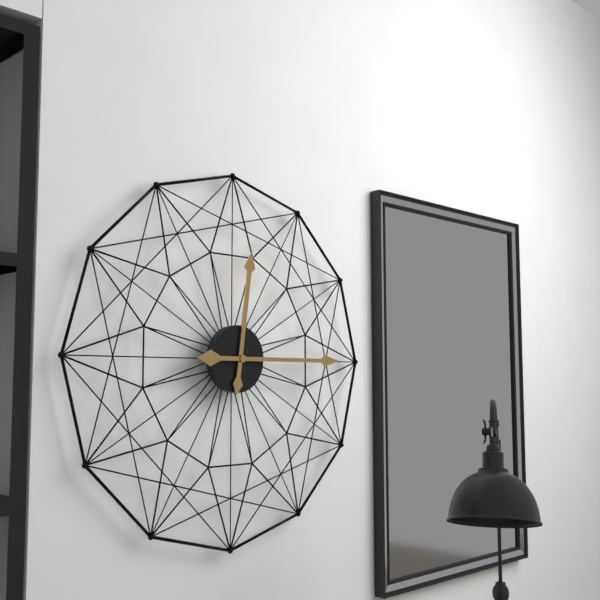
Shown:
**12:15**
